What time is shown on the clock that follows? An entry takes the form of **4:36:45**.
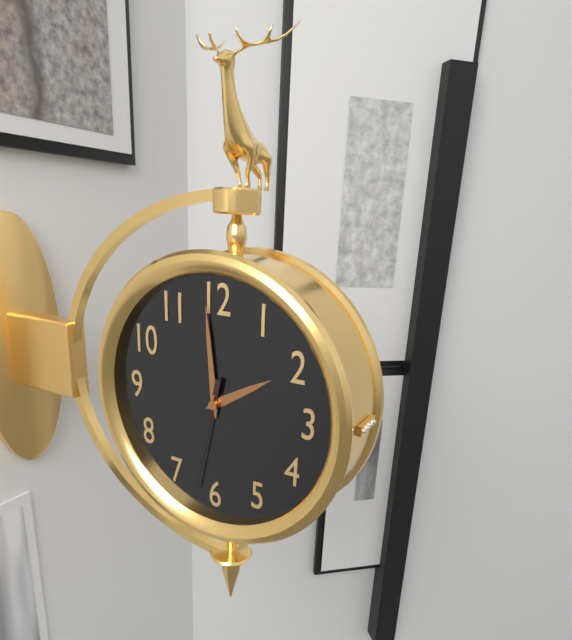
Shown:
**1:59:32**
